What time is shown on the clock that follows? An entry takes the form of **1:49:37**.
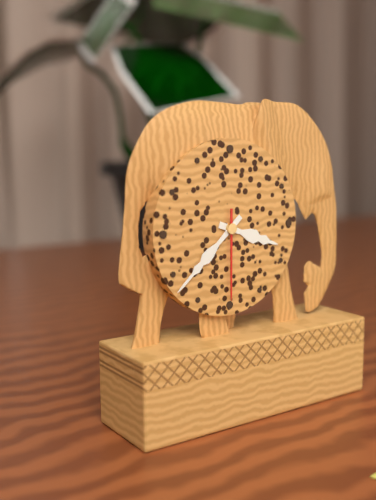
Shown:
**3:38:30**
